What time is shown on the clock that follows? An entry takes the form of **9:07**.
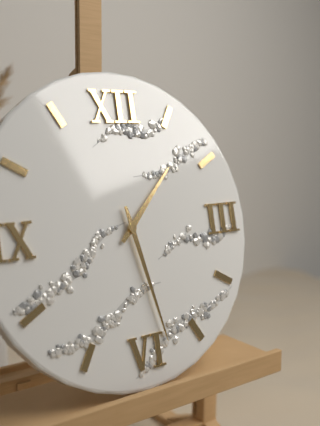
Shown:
**1:28**
